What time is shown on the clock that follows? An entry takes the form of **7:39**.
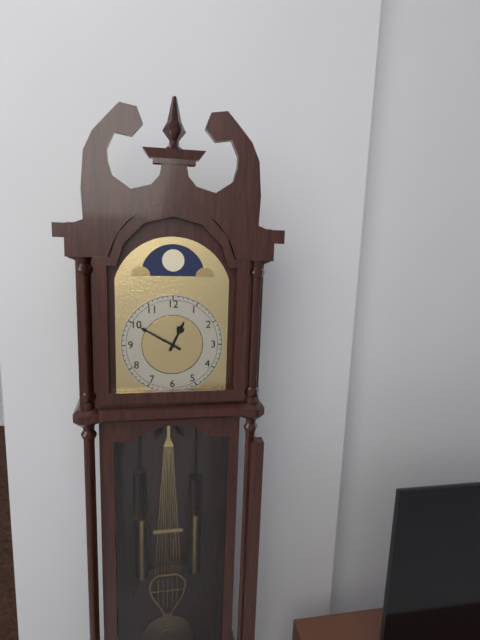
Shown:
**12:50**
